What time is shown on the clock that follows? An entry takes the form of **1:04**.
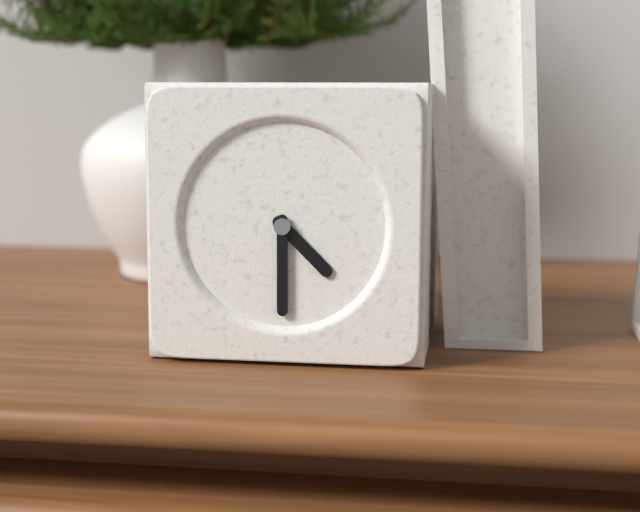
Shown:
**4:30**
